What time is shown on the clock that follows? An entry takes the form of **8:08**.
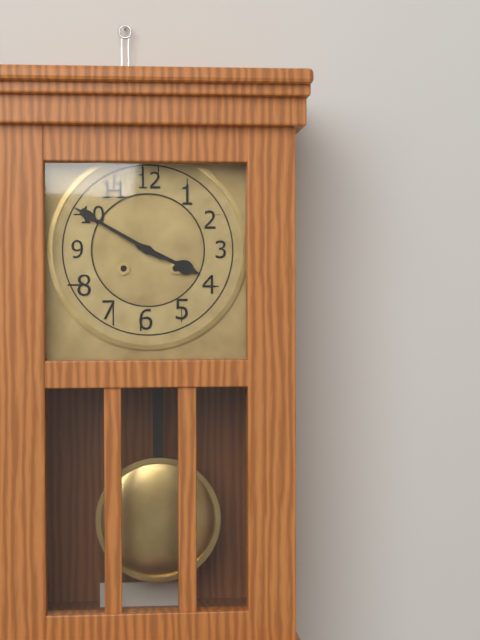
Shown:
**3:50**
